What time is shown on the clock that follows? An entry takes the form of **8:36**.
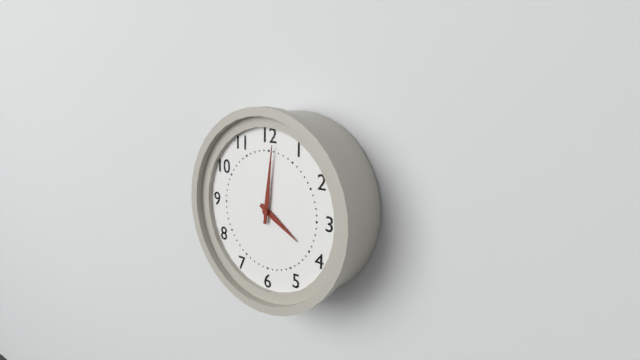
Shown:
**4:01**
